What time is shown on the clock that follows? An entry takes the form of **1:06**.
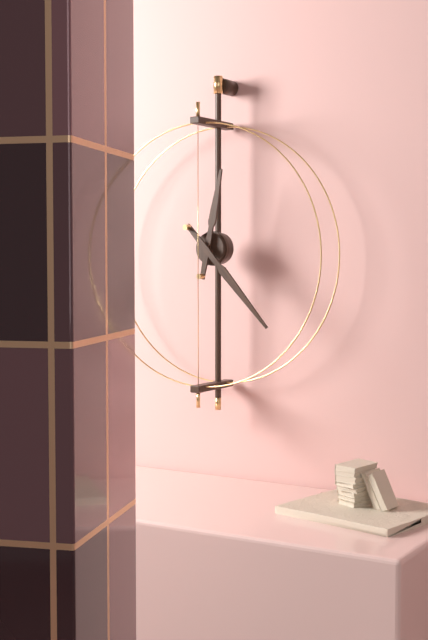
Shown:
**12:23**
